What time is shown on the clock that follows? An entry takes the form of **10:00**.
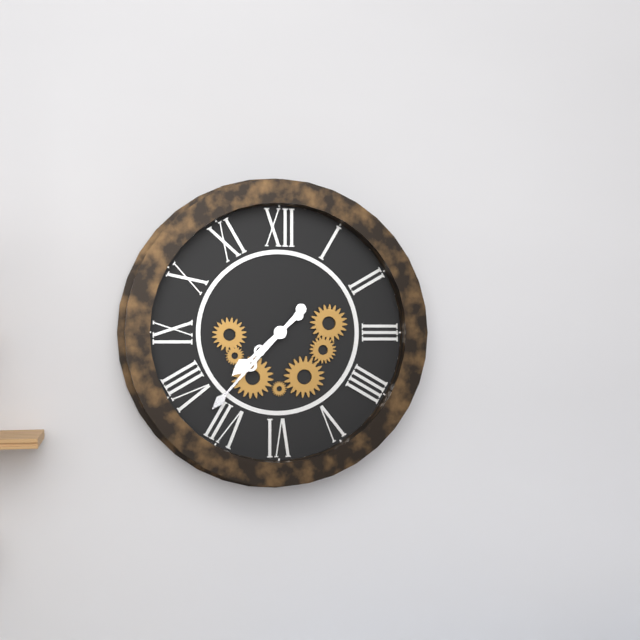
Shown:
**7:37**
